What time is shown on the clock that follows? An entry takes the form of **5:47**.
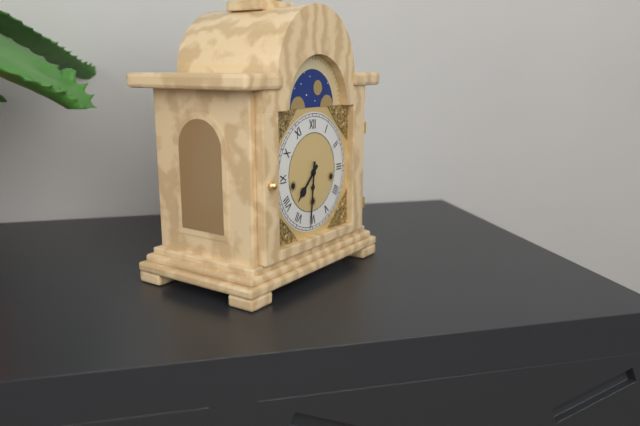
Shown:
**7:31**
